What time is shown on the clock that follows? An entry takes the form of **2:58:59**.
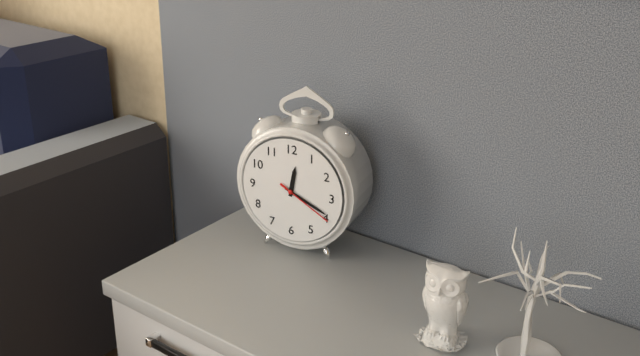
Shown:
**12:19:20**
